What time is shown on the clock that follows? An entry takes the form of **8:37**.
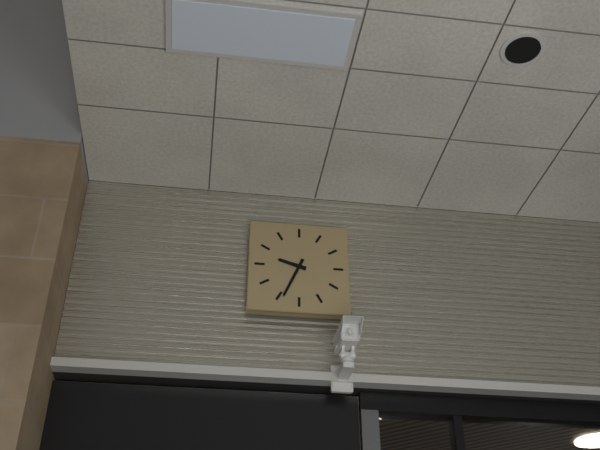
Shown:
**9:34**
